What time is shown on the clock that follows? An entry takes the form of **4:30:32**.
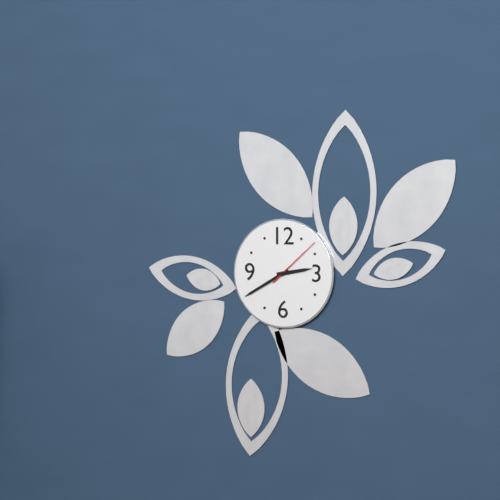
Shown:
**2:40:08**
